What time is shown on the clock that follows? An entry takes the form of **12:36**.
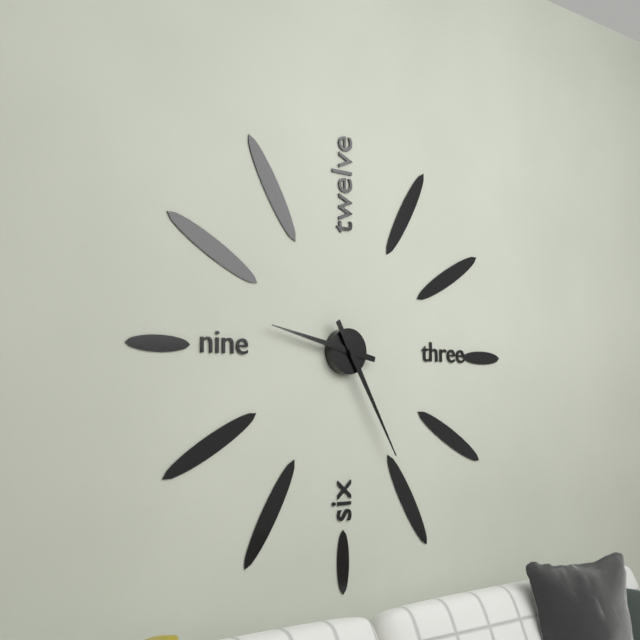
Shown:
**9:25**
